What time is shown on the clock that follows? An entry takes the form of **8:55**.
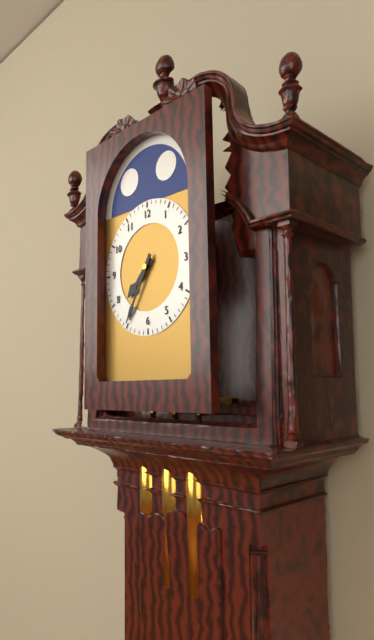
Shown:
**7:35**
